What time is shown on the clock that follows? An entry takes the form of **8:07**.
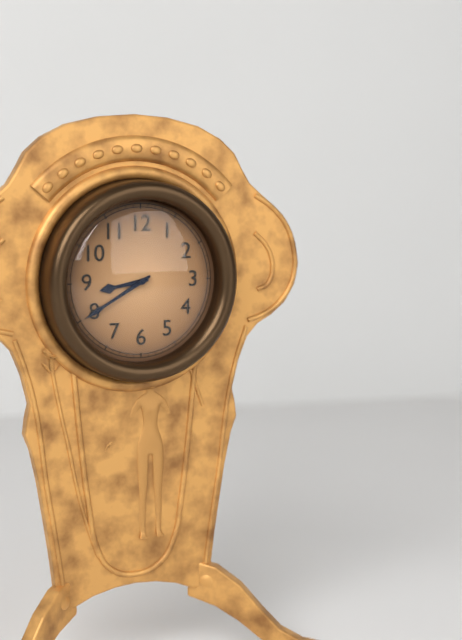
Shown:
**8:40**
